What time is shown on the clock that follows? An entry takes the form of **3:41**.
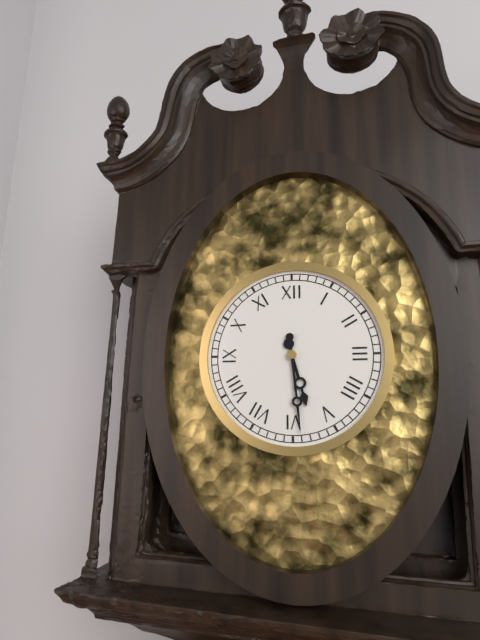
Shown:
**5:29**
